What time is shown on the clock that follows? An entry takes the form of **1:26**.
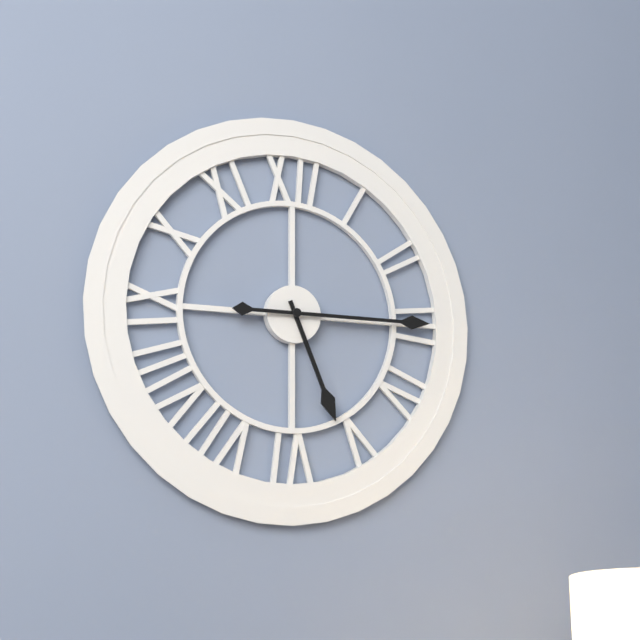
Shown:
**5:15**
